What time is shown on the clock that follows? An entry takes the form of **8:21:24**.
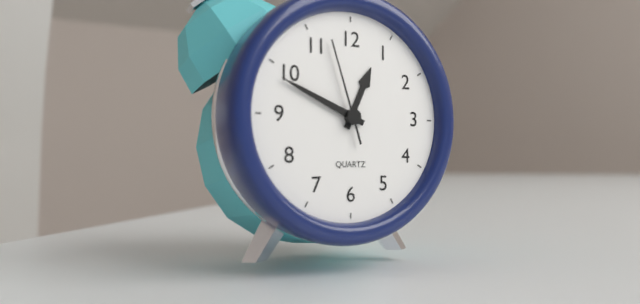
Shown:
**12:49:57**
